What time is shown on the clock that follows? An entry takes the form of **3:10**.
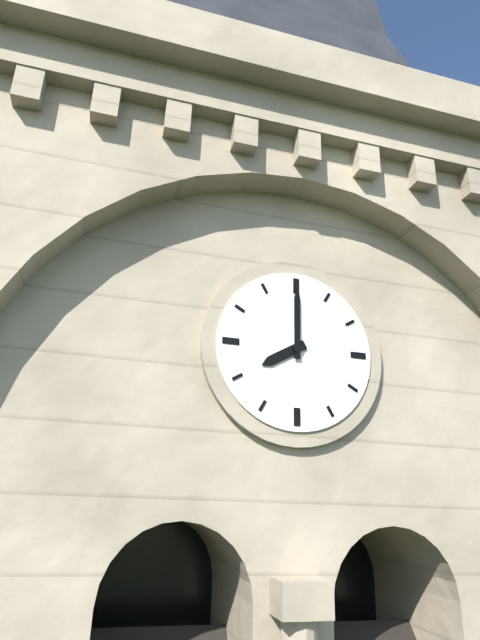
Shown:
**8:00**
